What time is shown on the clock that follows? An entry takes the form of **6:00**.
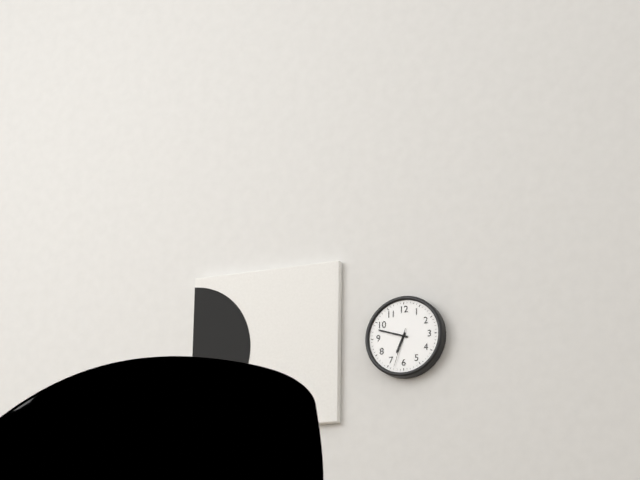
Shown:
**6:48**
